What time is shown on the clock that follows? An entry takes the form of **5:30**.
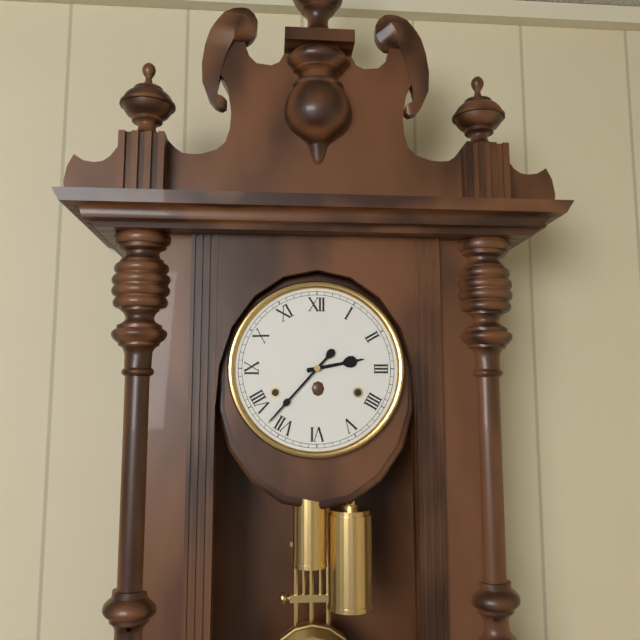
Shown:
**2:37**
